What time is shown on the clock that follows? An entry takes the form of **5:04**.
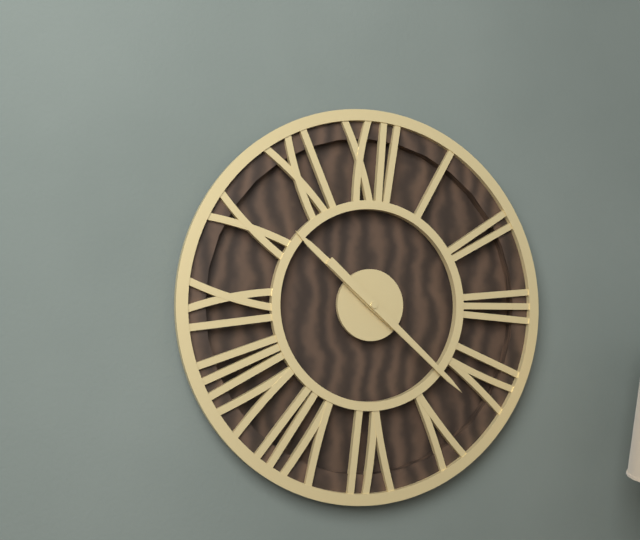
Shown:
**10:22**
